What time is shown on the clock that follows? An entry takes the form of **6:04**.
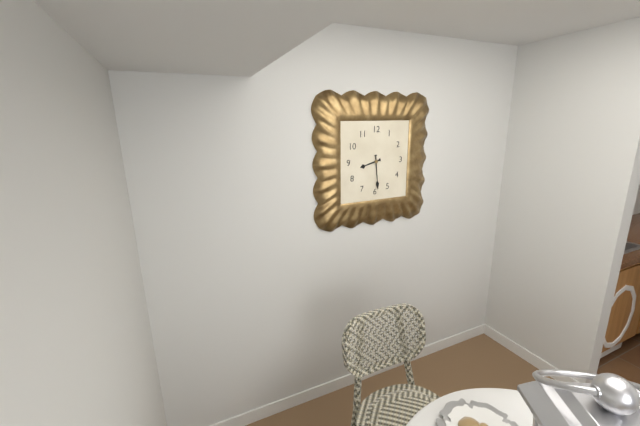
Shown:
**8:29**
